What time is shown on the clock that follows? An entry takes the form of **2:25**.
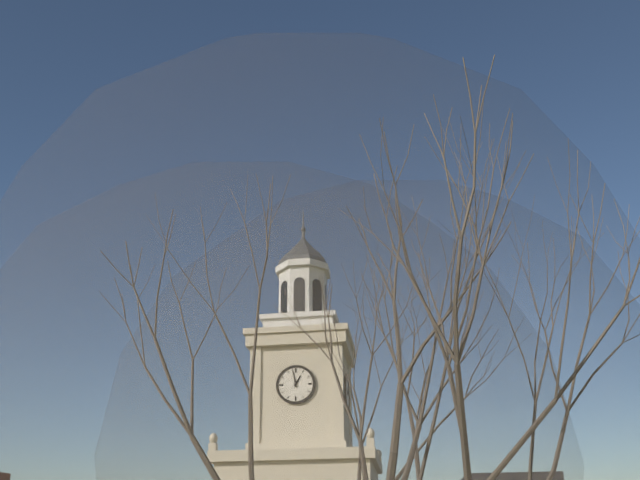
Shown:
**12:58**
